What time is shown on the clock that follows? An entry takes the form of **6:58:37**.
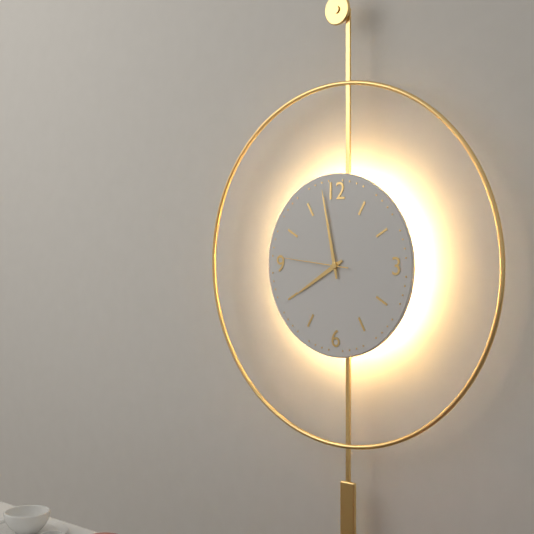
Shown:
**7:58:46**
